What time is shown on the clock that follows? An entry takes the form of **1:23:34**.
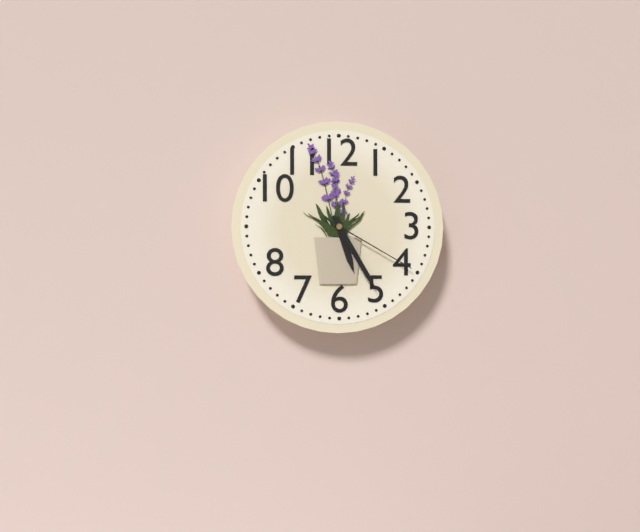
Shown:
**5:25:20**
